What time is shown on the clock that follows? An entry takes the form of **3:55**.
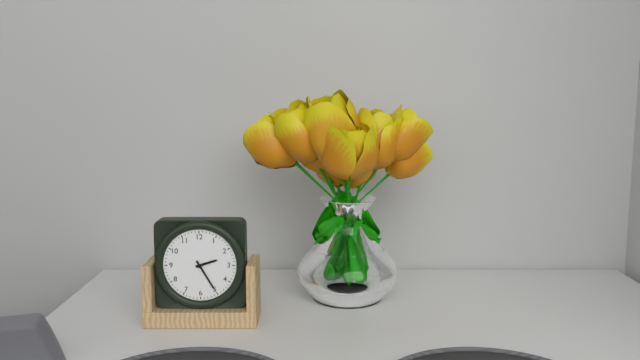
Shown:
**2:25**
